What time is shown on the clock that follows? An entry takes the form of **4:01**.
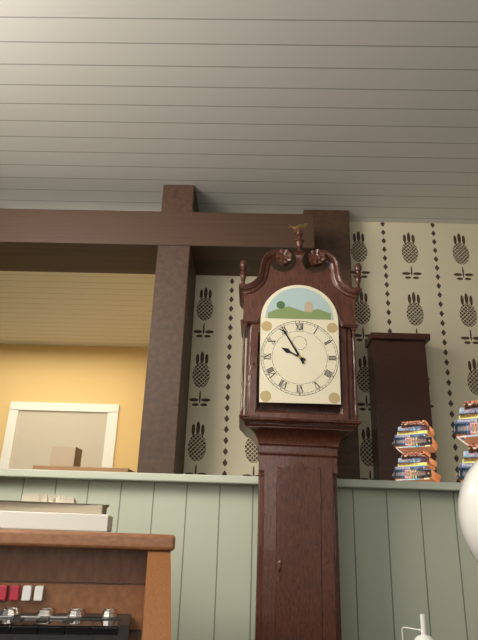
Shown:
**9:55**
